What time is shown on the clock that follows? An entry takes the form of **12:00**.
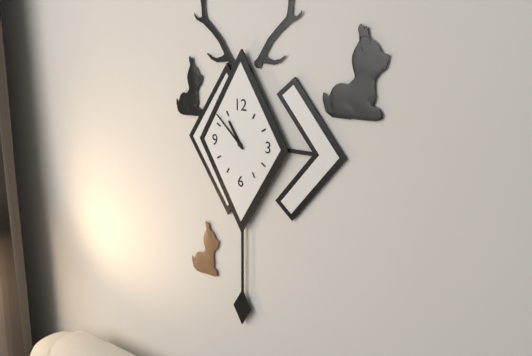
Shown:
**10:52**
